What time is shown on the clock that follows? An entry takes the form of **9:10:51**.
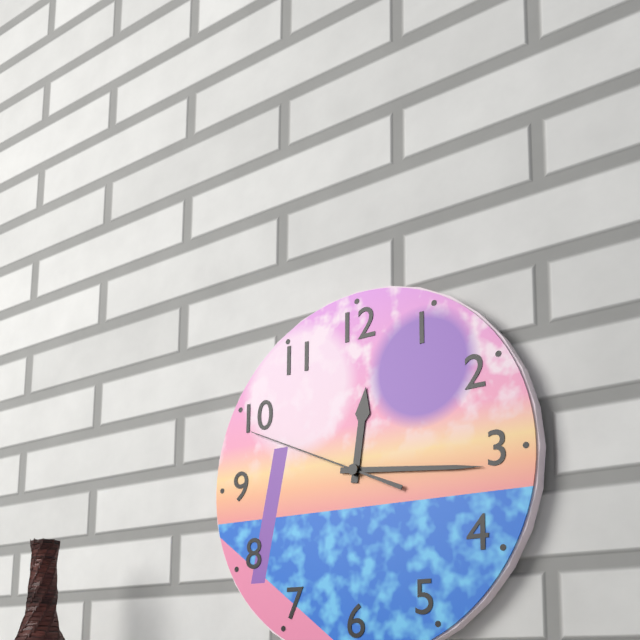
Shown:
**12:16:49**
